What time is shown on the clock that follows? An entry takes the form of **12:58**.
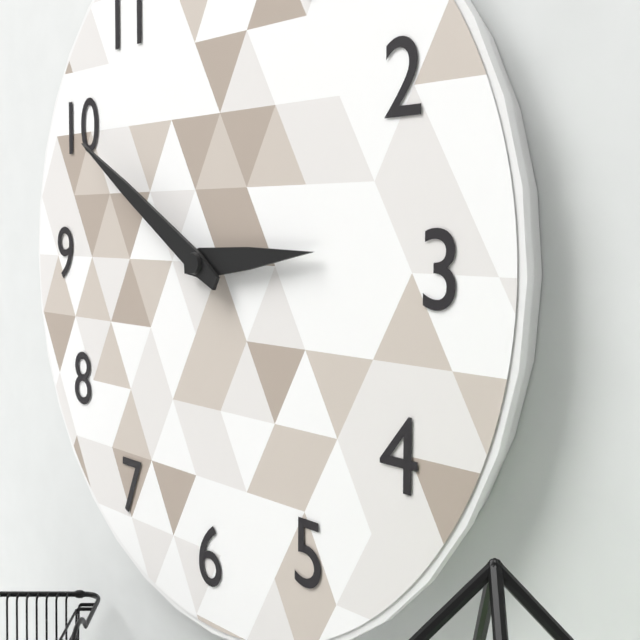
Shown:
**2:50**
